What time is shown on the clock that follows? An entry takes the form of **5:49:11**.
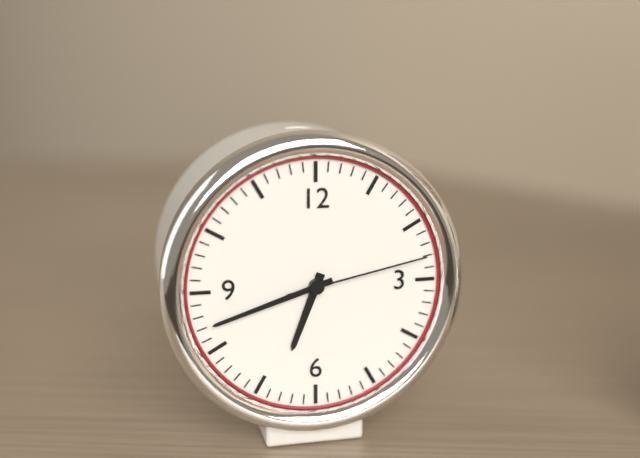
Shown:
**6:42:13**
